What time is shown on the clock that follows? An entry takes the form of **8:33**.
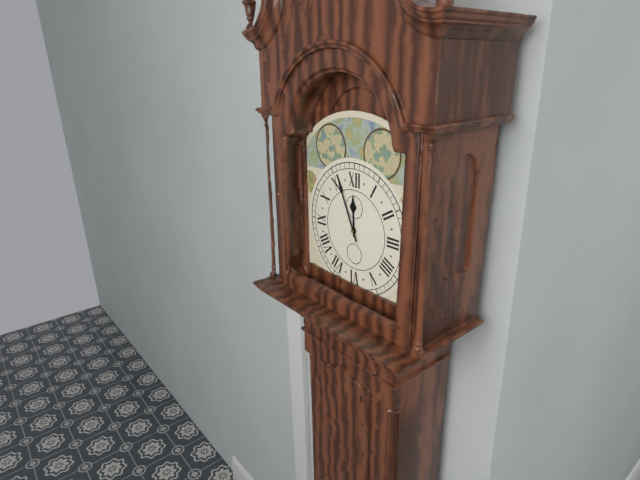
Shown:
**11:56**
